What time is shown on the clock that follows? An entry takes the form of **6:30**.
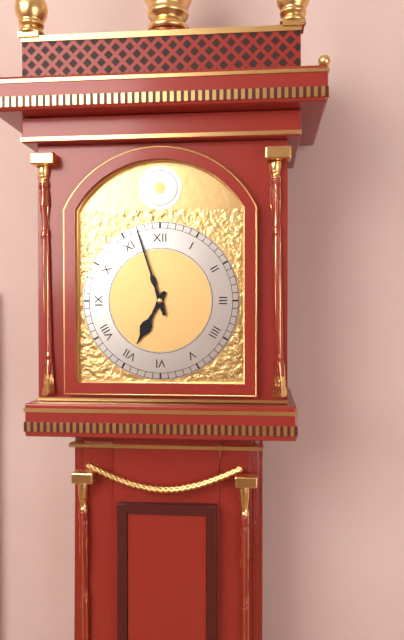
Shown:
**6:57**
